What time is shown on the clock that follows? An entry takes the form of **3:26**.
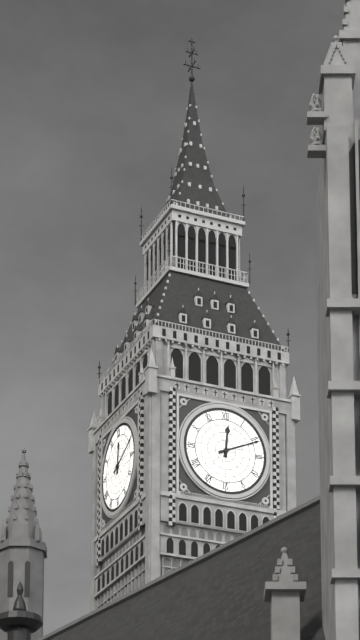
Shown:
**12:11**
